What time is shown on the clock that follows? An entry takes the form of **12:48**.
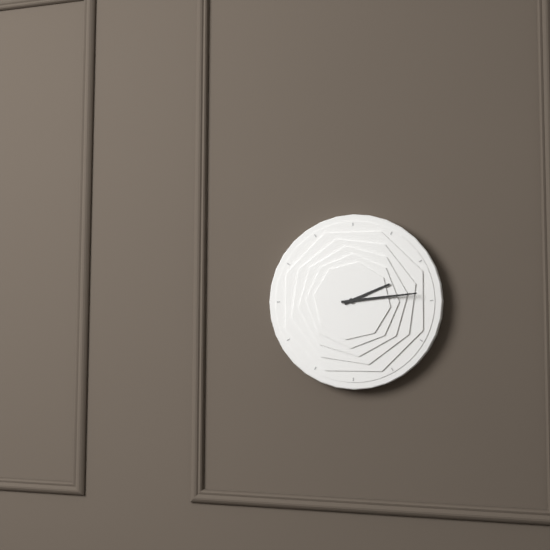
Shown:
**2:14**
